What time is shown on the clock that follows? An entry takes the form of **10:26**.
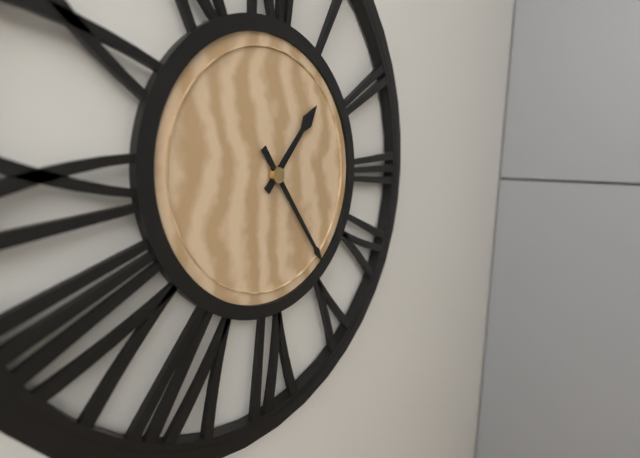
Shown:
**1:24**
